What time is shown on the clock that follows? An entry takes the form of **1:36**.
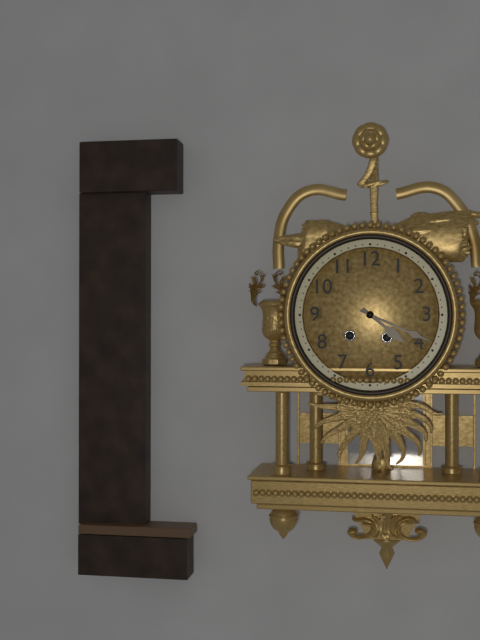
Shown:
**4:19**
